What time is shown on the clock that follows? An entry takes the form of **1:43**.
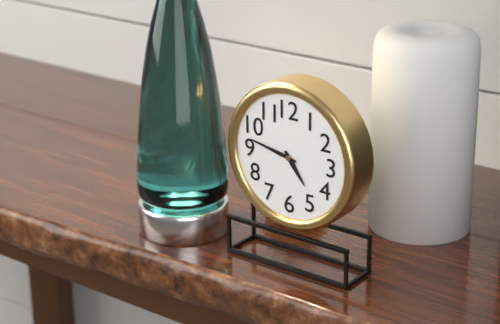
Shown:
**4:47**
